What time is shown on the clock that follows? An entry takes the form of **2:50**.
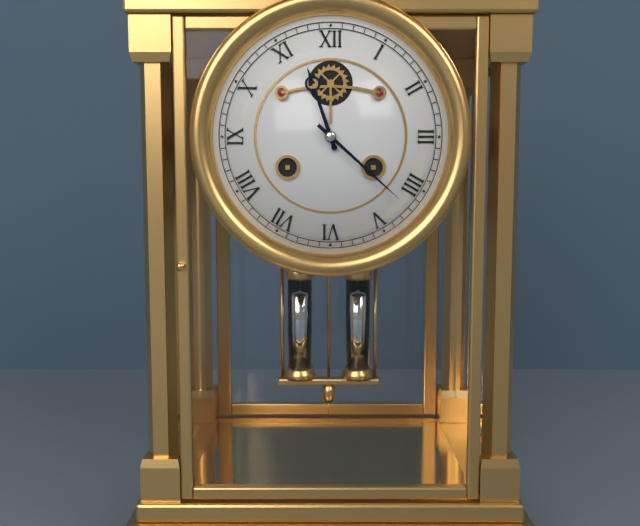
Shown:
**11:22**
